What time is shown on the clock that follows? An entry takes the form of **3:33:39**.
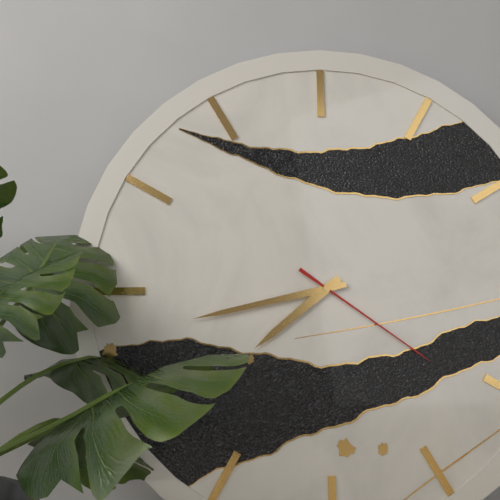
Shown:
**7:43:21**
